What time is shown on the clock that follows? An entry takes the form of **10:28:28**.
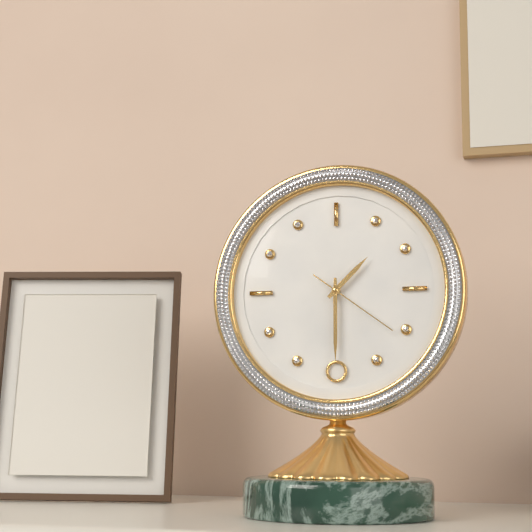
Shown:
**1:30:21**
